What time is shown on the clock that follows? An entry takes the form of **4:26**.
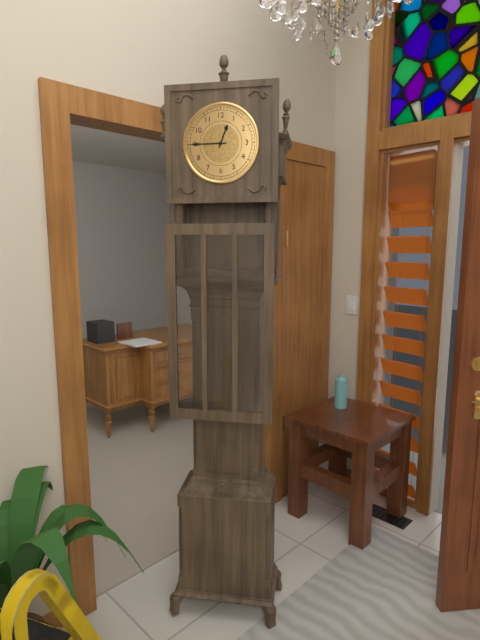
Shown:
**12:45**
